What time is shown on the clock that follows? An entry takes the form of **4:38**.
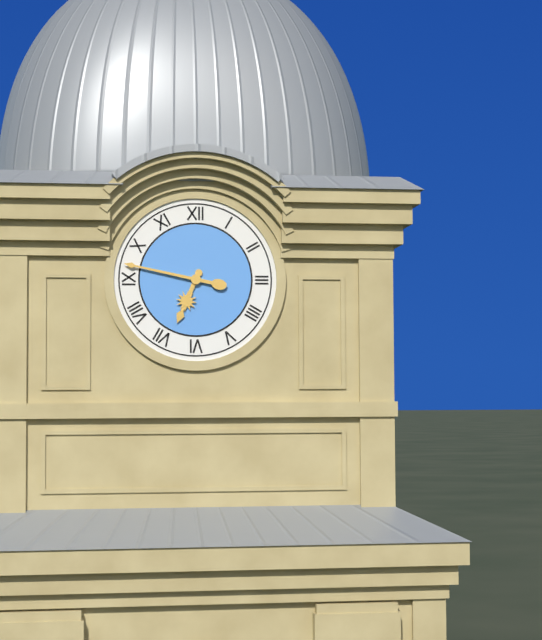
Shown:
**6:47**
